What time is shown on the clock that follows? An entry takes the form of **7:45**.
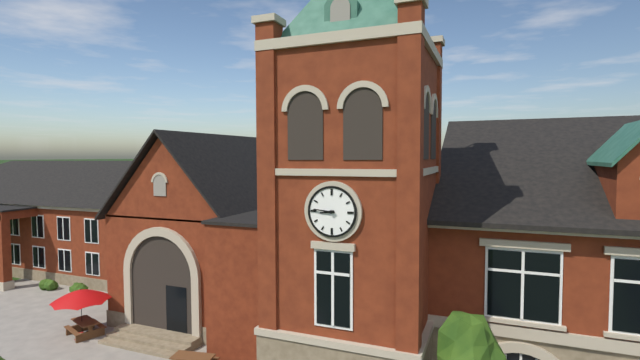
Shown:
**8:46**
